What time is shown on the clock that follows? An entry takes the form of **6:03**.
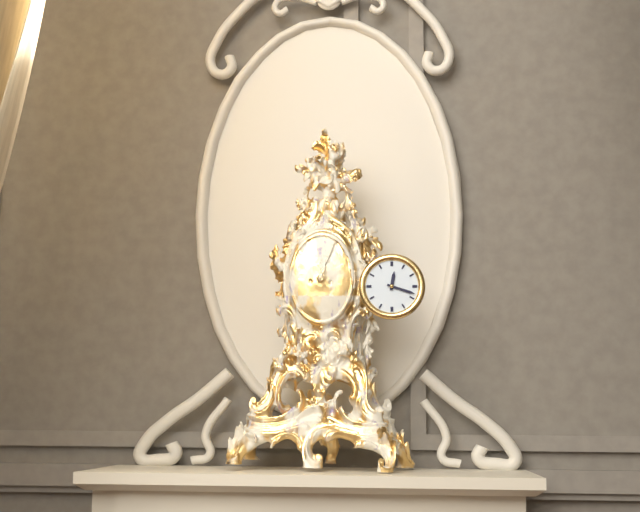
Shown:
**12:18**
